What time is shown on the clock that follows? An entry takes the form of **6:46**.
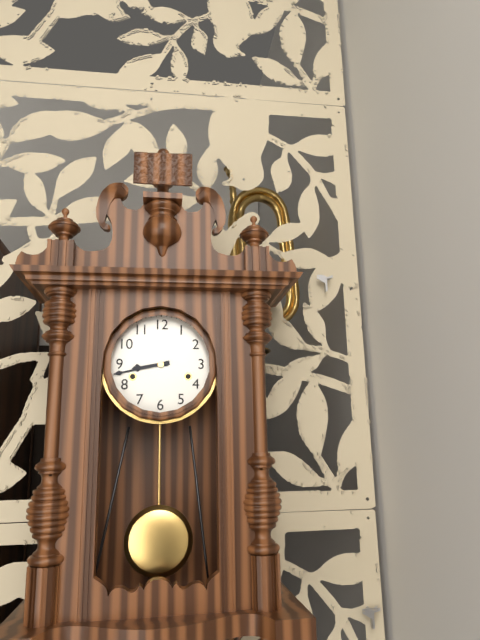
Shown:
**8:43**
